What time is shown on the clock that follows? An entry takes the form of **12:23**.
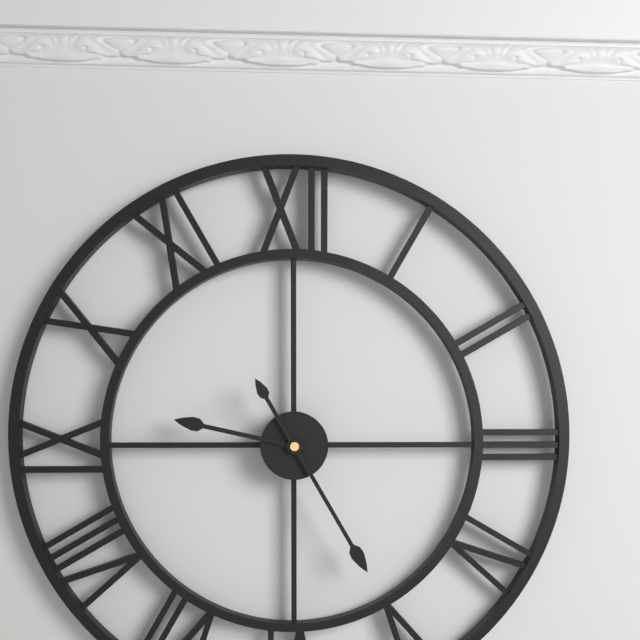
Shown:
**9:25**
